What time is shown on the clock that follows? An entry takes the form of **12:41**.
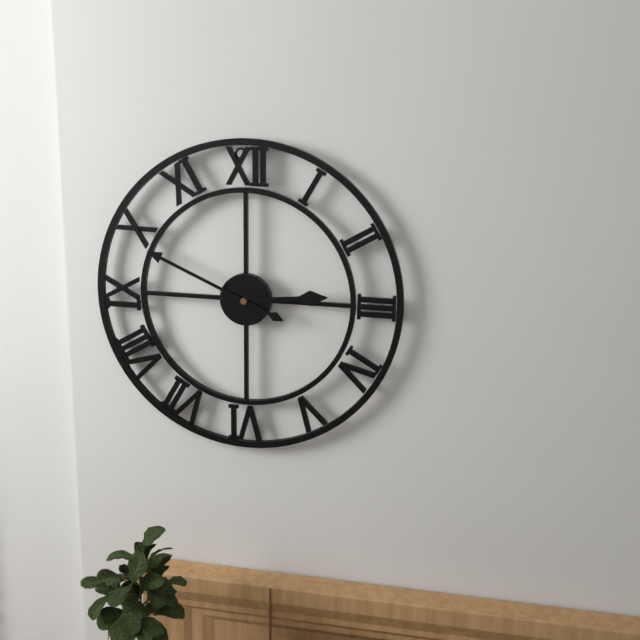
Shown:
**2:49**
